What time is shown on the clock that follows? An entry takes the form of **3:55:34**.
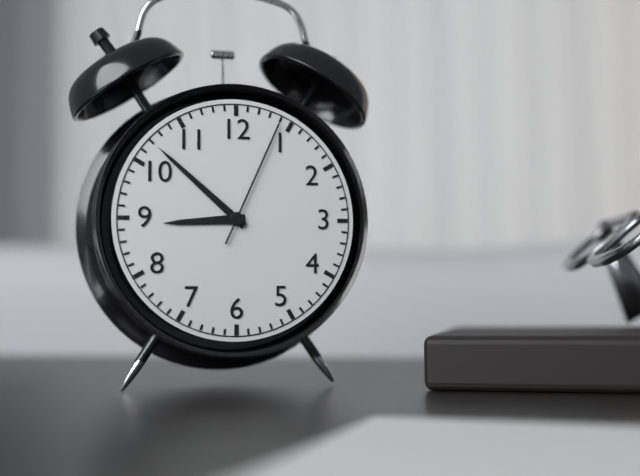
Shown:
**8:52:04**
